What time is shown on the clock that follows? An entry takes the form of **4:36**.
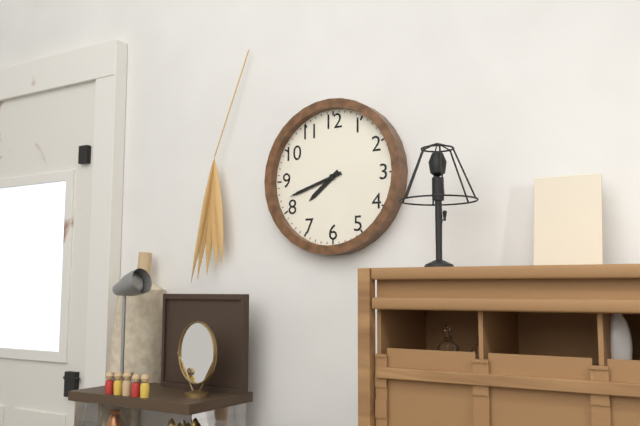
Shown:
**7:42**
